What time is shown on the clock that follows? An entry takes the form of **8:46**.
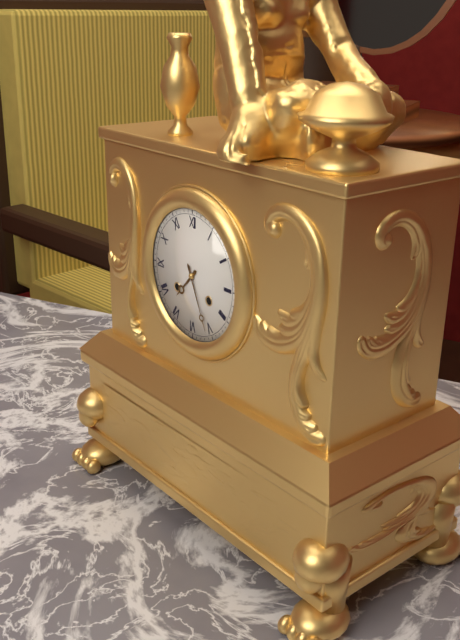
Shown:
**7:26**
